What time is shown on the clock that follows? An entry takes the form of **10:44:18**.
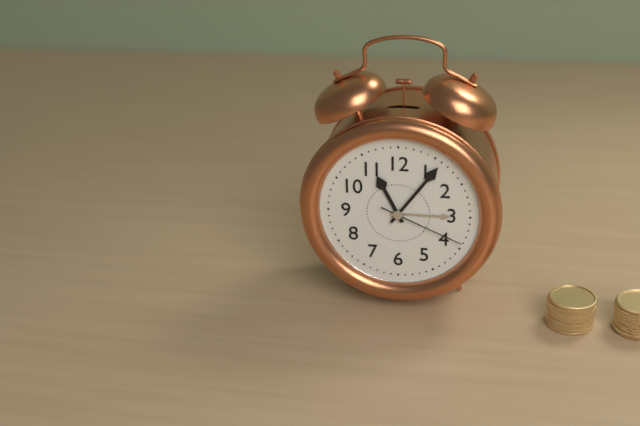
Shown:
**11:06:19**
